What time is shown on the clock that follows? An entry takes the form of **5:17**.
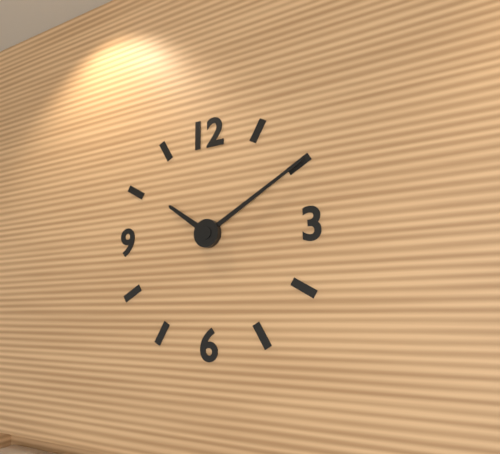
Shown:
**10:10**
